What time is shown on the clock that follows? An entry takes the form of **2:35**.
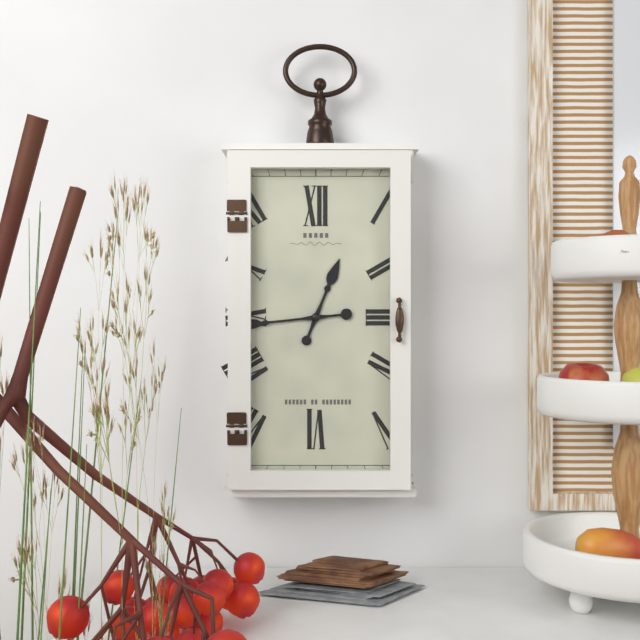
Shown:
**12:44**
